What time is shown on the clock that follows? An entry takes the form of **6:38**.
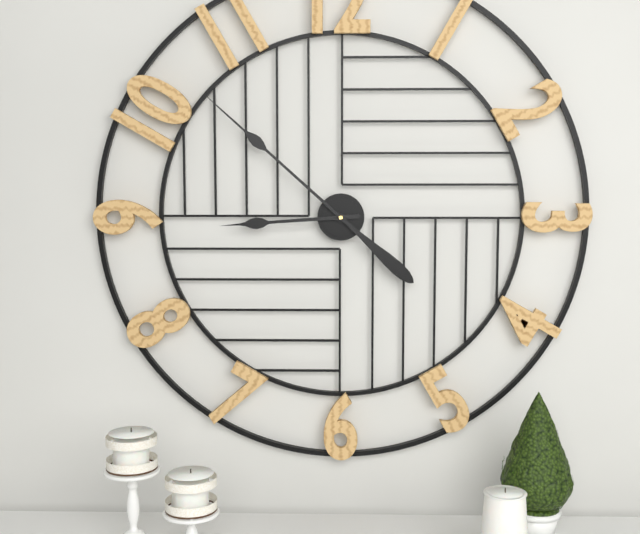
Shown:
**8:52**
